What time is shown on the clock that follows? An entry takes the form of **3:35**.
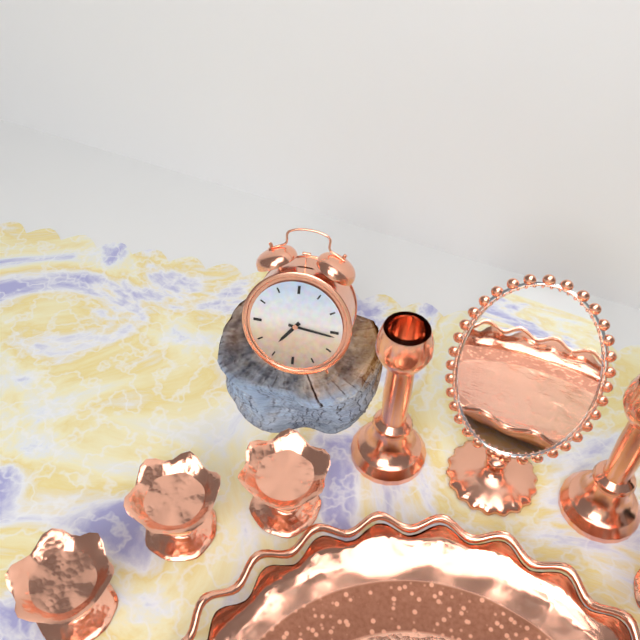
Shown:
**7:16**
